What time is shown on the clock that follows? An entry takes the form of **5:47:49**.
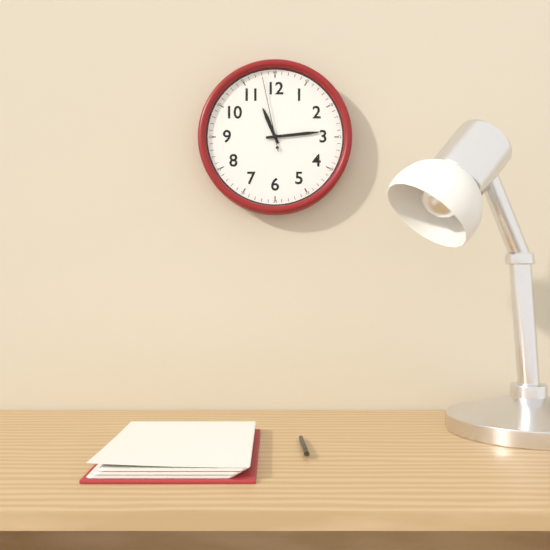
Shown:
**11:14:58**
